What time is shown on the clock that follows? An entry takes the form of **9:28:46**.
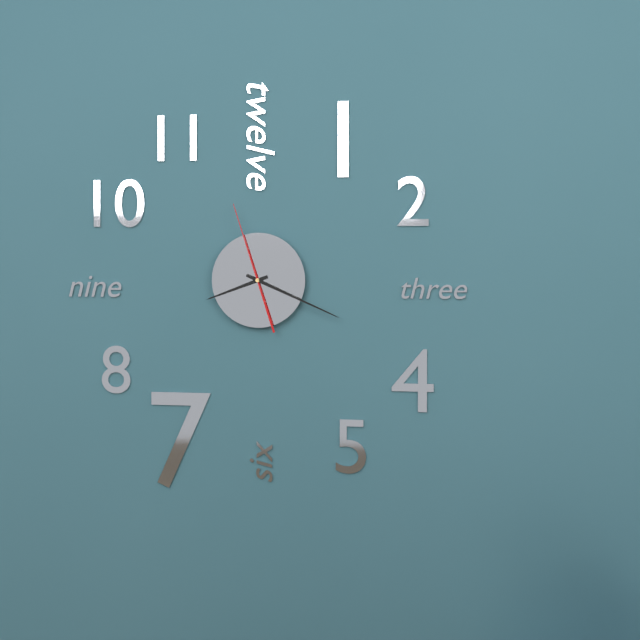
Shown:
**8:19:57**
